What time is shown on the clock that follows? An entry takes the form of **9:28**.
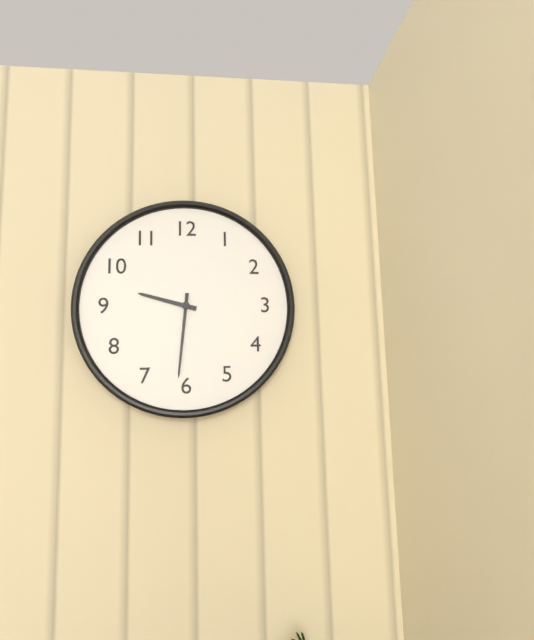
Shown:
**9:31**
